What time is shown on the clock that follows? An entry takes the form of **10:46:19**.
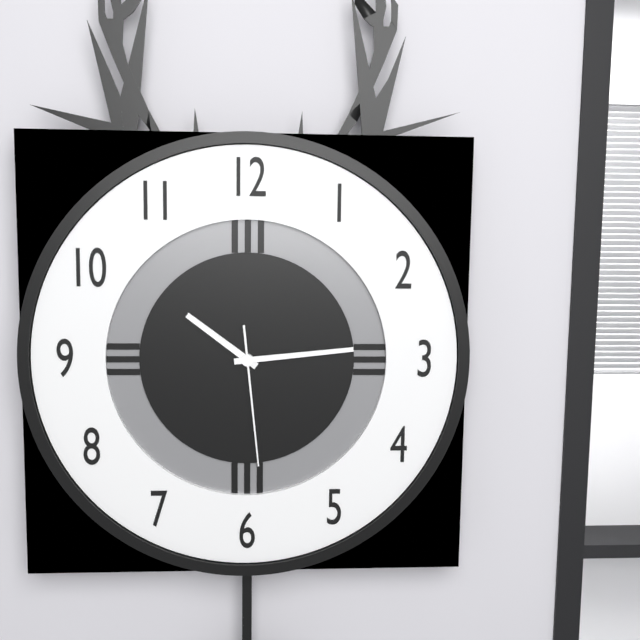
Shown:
**10:14:29**
